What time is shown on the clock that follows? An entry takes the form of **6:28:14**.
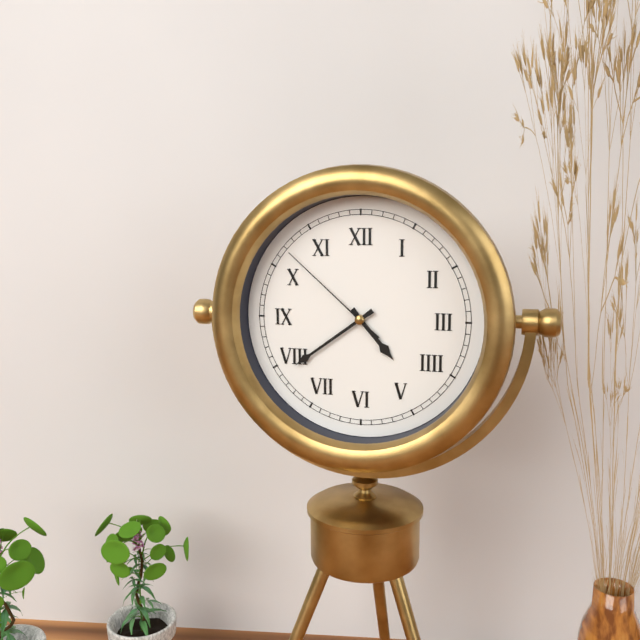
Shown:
**4:39:52**
